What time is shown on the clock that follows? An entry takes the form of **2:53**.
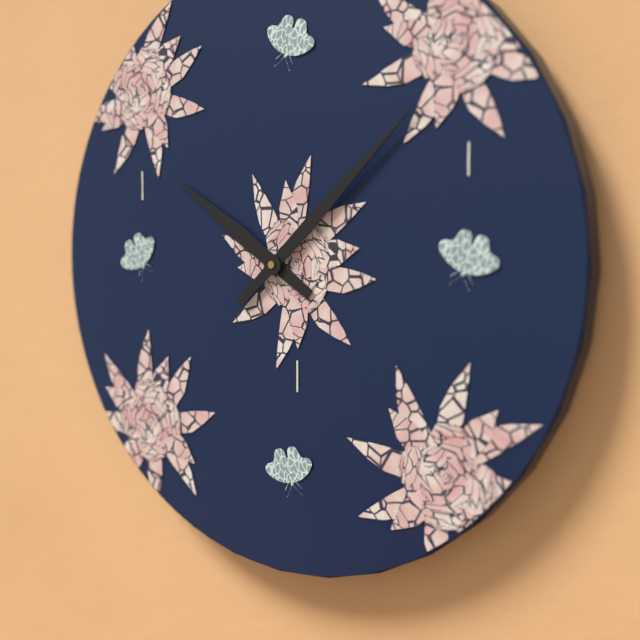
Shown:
**10:08**
